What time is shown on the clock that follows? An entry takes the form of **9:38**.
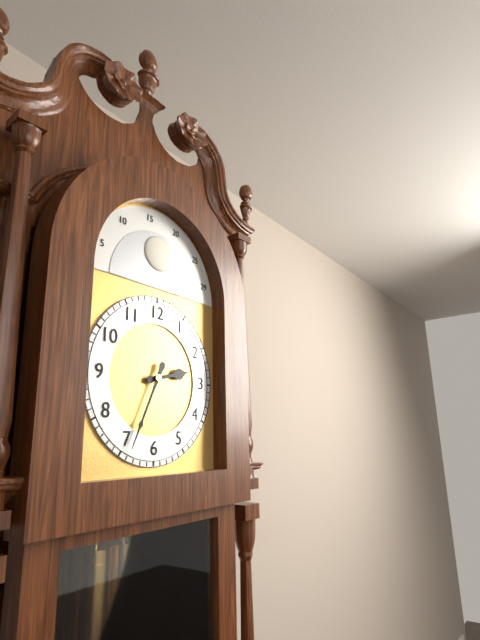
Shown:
**2:34**
